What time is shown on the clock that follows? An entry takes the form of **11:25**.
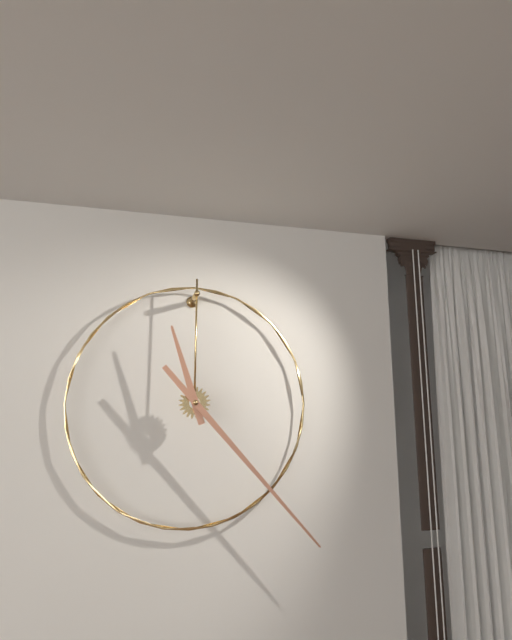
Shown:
**11:23**
